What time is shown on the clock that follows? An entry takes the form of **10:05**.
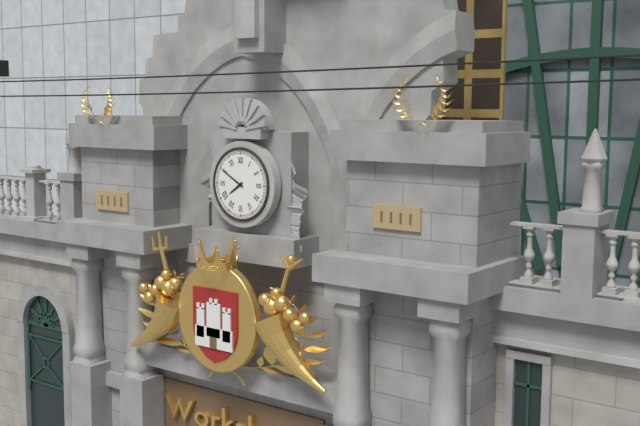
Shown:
**7:50**
